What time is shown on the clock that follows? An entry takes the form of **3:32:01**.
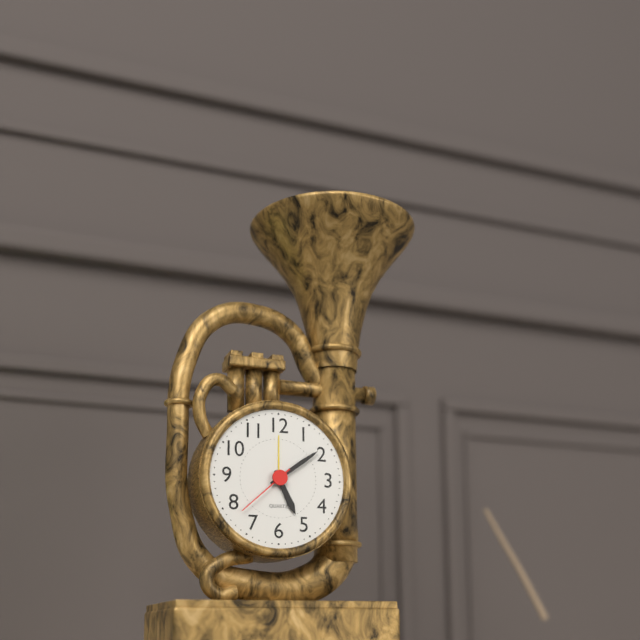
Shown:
**5:09:38**
